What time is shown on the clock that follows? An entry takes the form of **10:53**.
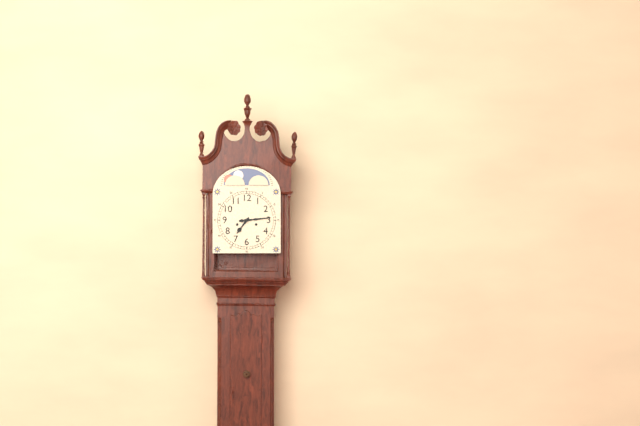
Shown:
**7:14**
